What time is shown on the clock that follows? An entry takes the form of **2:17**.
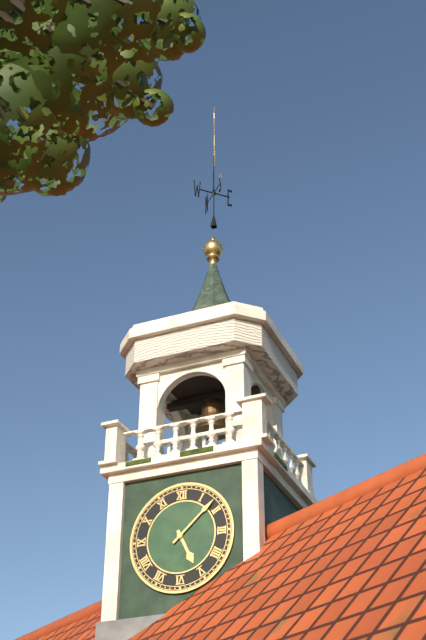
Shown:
**5:08**
